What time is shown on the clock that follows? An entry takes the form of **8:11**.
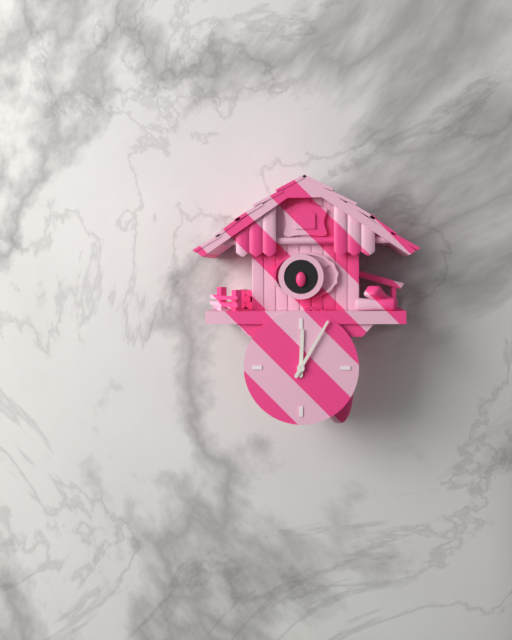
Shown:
**12:05**
